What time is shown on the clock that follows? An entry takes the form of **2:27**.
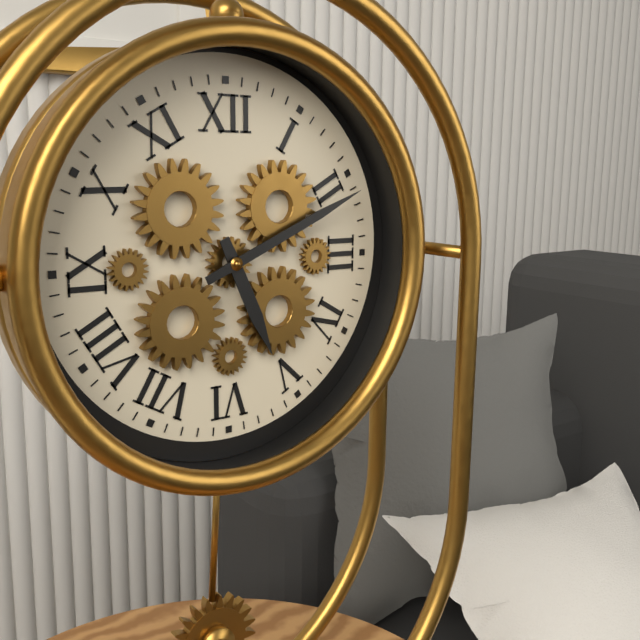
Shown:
**5:11**
